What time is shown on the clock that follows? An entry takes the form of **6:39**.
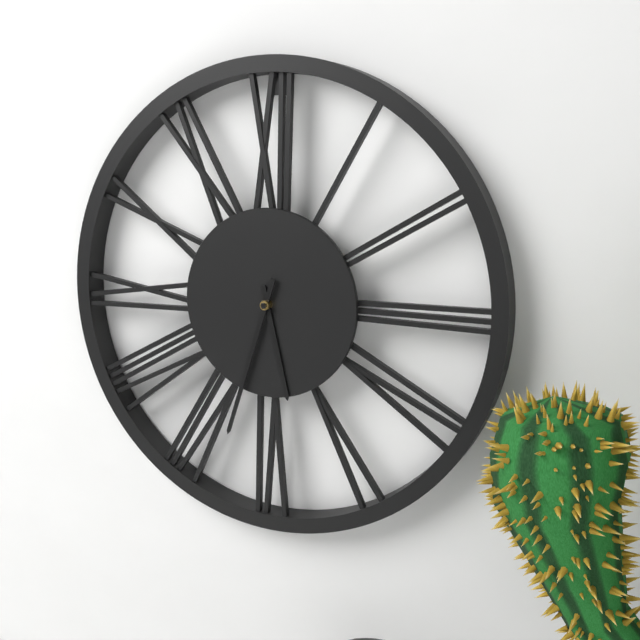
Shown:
**5:33**
